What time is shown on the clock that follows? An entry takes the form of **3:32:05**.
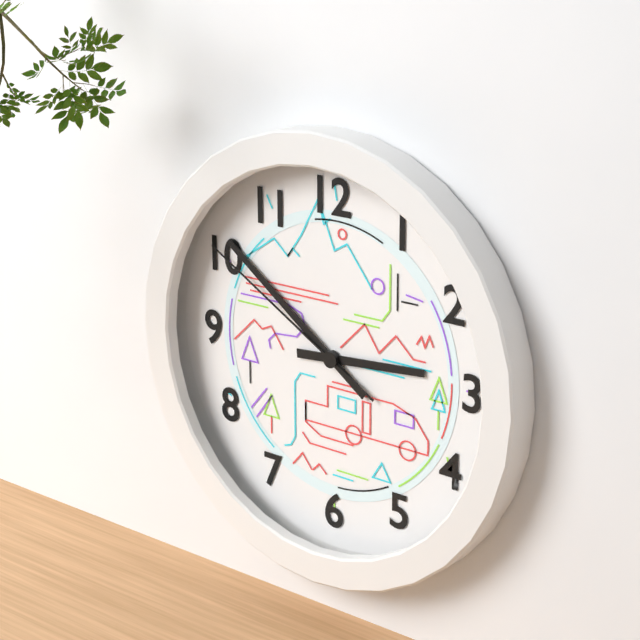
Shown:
**2:51:50**
